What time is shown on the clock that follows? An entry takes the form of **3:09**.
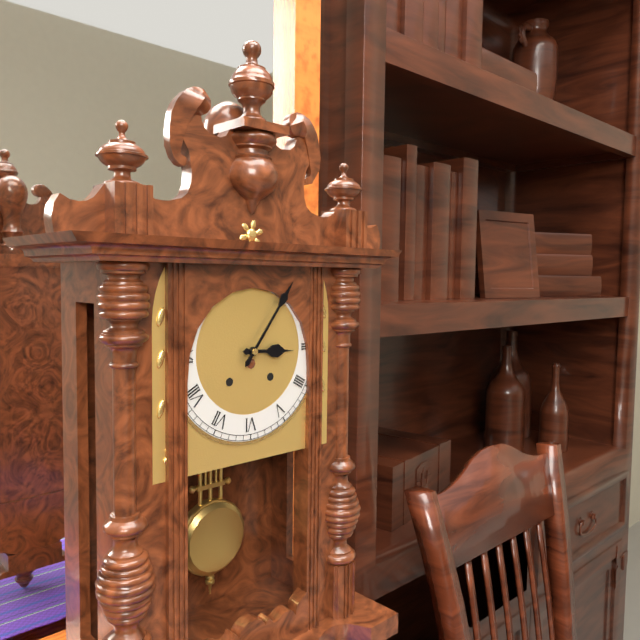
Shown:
**3:06**
